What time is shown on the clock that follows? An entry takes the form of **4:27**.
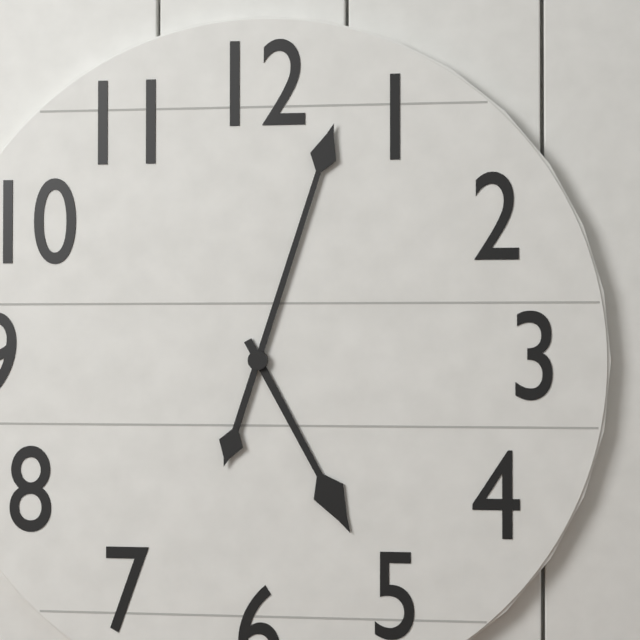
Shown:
**5:03**
